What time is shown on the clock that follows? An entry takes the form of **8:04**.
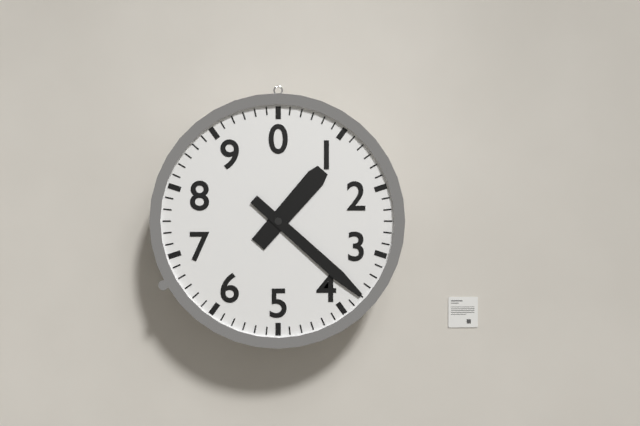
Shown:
**1:22**
